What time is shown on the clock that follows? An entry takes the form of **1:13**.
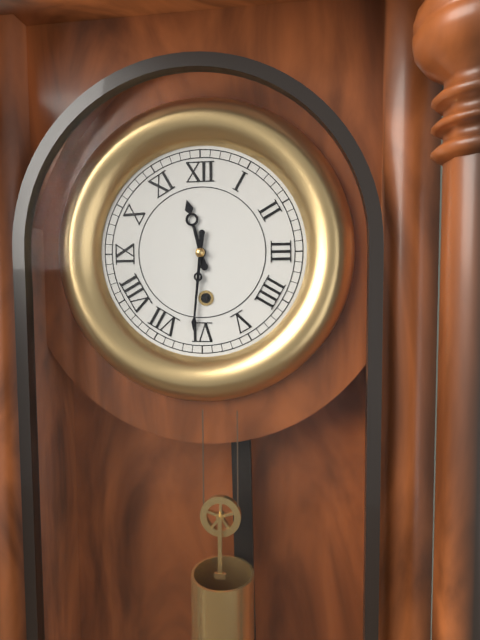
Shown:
**11:31**
